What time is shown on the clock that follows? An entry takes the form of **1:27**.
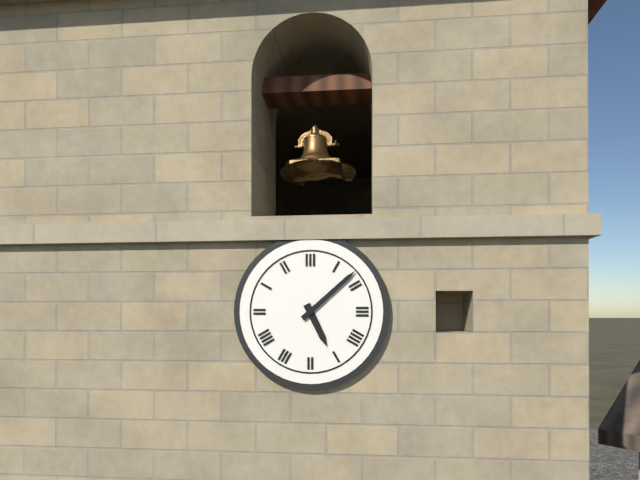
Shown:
**5:08**
